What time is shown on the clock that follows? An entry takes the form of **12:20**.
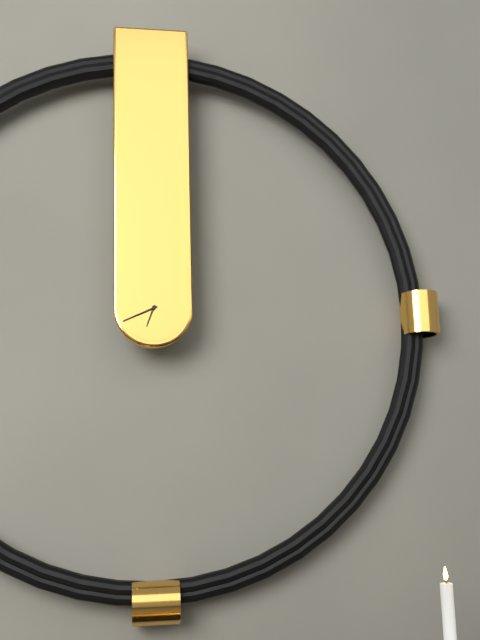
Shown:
**6:41**
